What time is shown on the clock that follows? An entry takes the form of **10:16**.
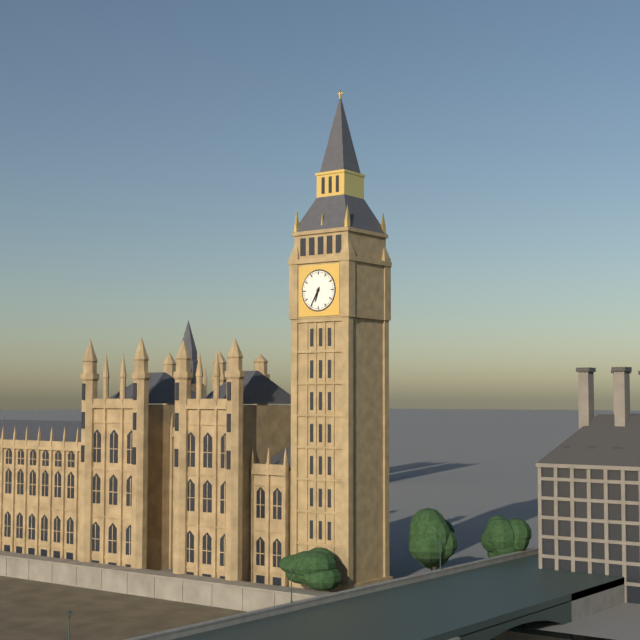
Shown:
**6:35**
